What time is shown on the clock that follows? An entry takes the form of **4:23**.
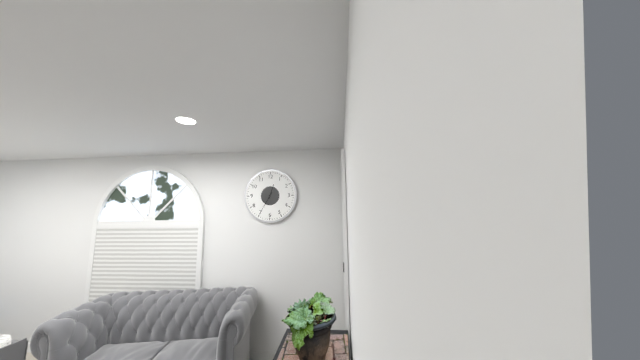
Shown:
**12:35**
